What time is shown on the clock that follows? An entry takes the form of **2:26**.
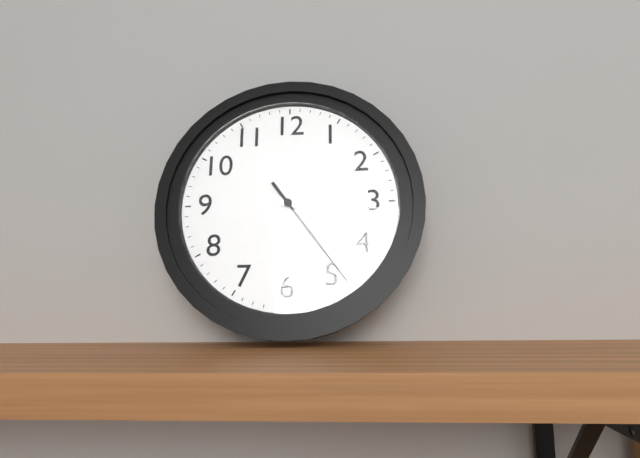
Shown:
**3:24**
